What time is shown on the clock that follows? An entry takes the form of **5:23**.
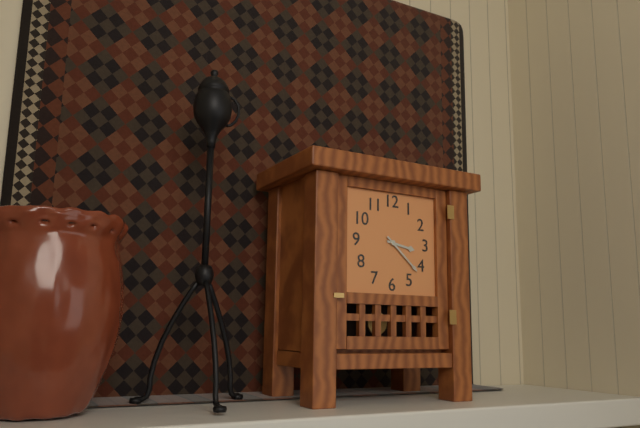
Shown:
**3:22**
